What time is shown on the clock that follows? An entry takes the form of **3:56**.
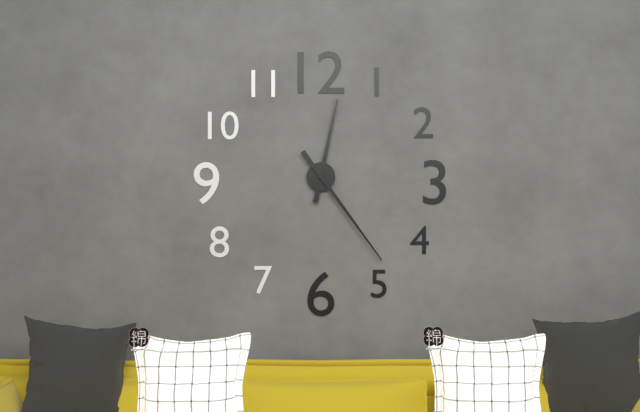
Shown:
**12:24**
